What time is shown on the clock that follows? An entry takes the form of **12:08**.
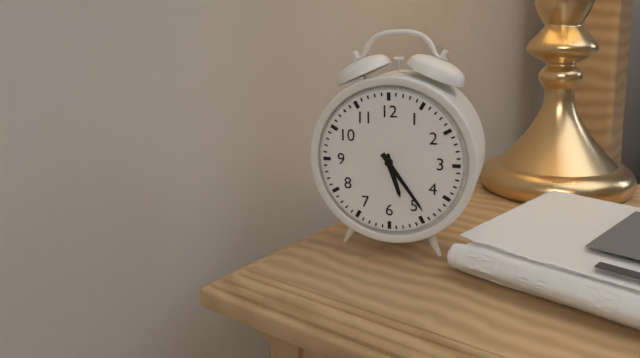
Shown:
**5:24**
